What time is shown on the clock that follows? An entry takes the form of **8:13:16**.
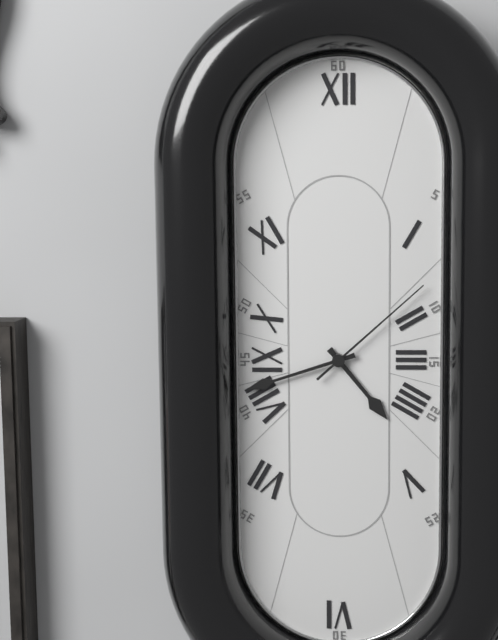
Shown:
**4:42:08**
